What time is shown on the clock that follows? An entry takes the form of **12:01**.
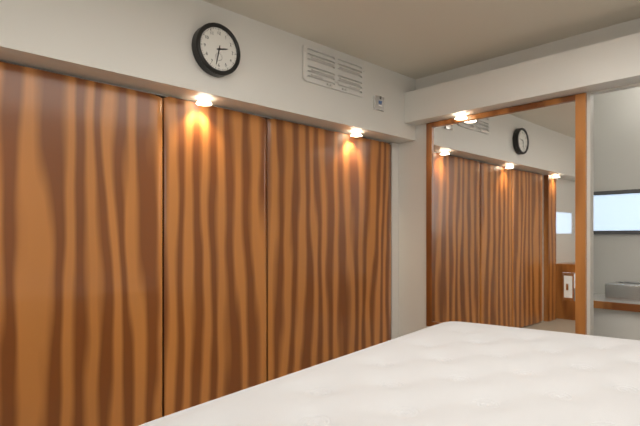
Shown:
**2:32**
